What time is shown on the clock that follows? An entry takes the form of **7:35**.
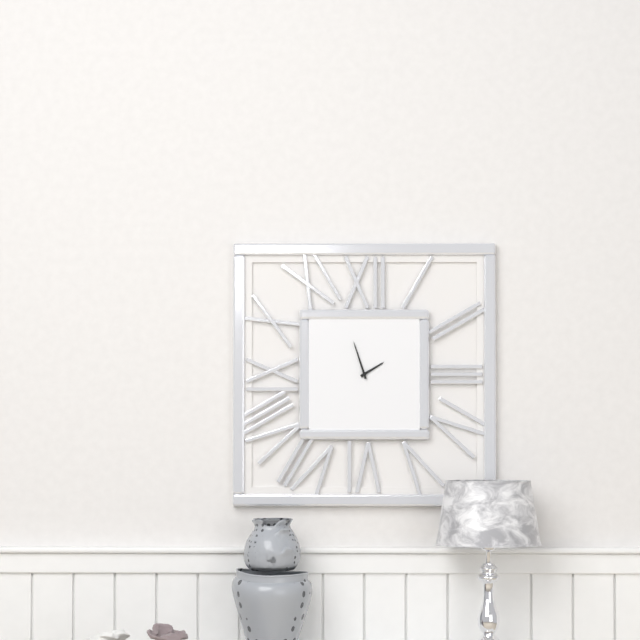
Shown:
**1:57**
